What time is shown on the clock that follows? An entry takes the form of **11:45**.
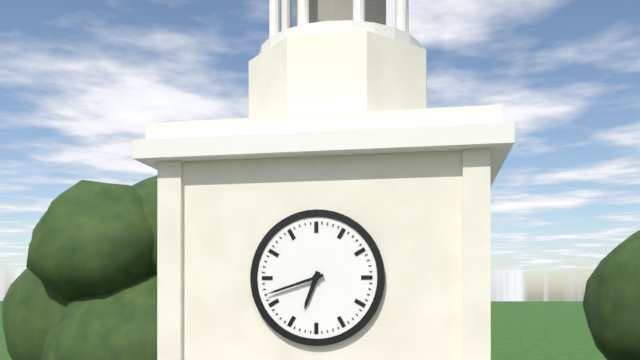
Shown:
**6:42**
